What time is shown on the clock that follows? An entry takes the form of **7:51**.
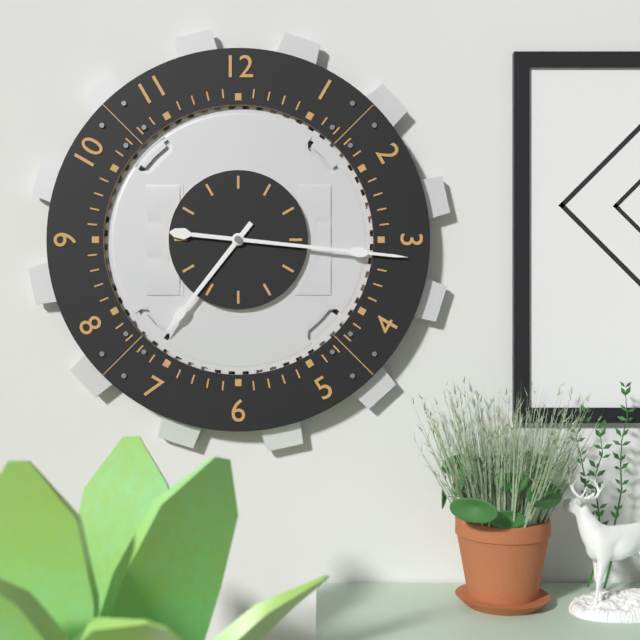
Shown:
**7:16**
